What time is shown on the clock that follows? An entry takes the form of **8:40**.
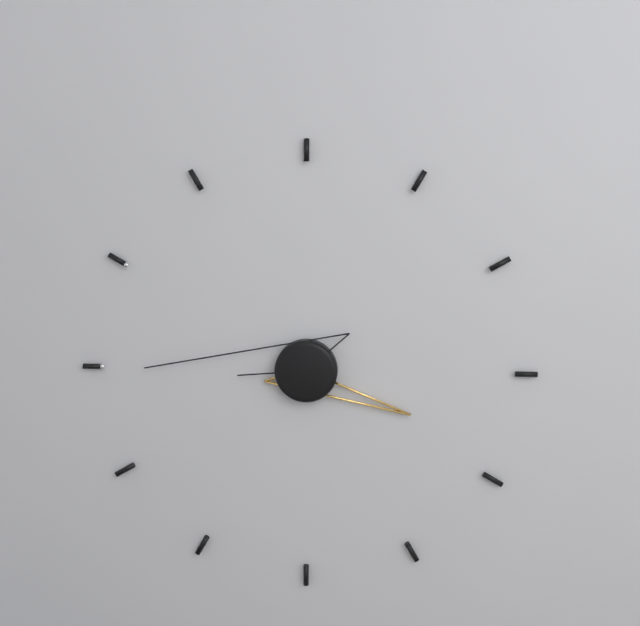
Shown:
**3:45**
